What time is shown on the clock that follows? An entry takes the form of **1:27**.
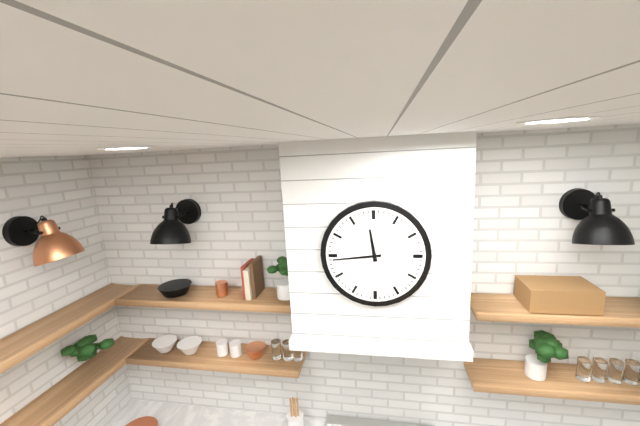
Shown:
**11:44**
